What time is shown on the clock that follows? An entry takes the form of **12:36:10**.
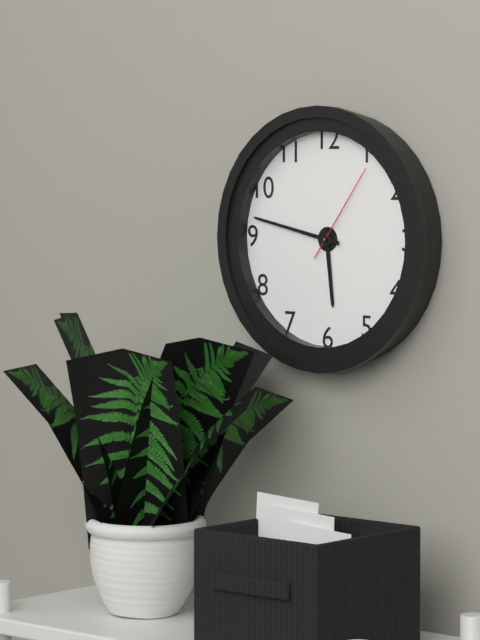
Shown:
**5:47:06**
